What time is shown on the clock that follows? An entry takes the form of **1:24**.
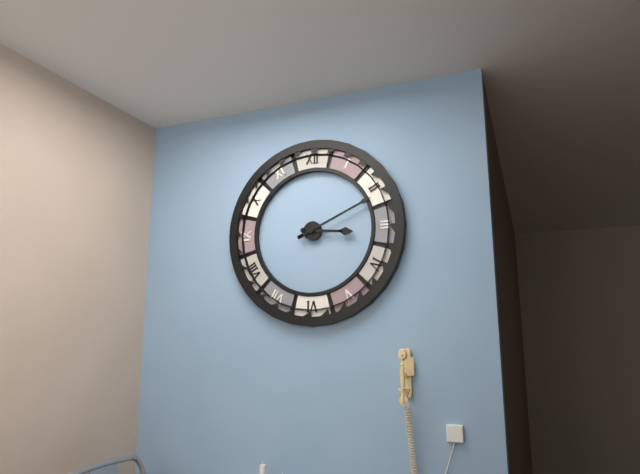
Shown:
**3:11**
